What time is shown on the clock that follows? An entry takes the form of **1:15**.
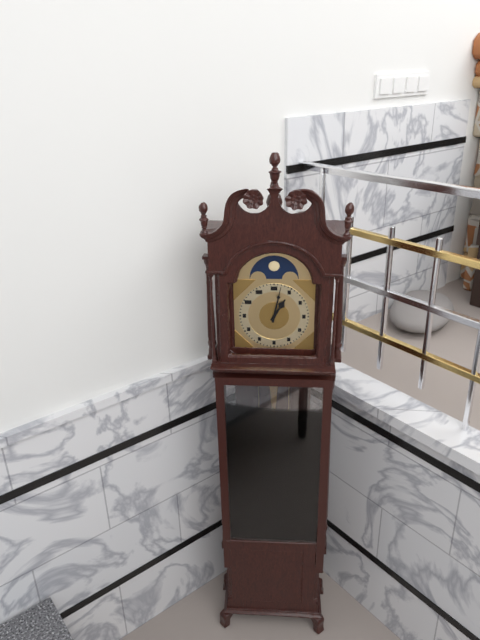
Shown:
**1:02**
